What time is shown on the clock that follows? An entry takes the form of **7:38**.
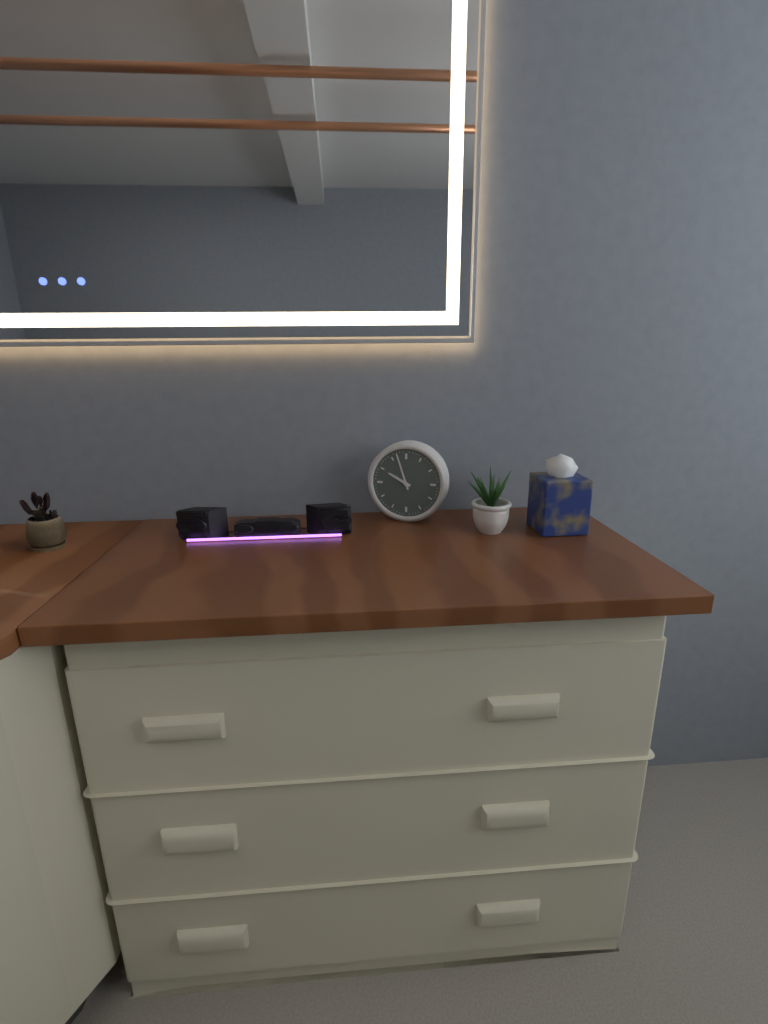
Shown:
**9:57**
